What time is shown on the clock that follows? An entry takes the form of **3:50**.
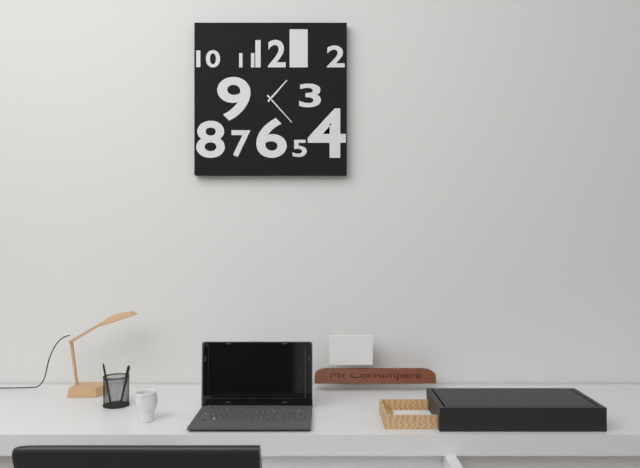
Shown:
**1:23**
